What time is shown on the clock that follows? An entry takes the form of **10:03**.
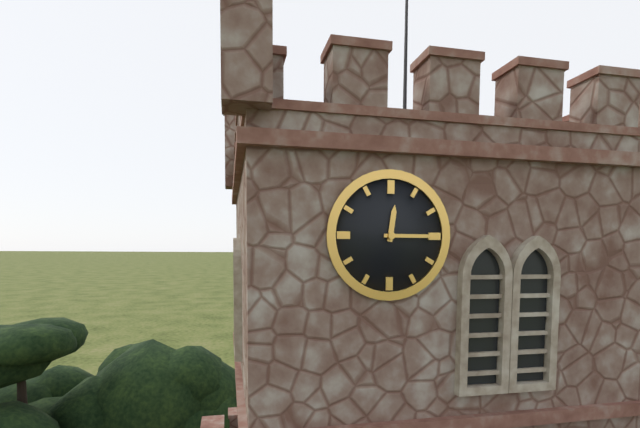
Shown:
**12:15**
